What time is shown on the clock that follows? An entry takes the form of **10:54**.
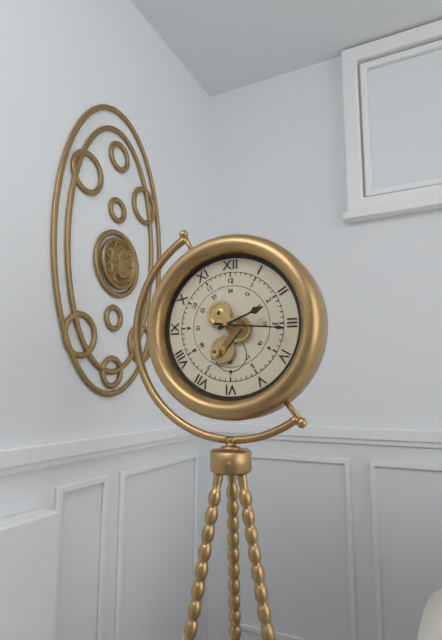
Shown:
**2:16**
